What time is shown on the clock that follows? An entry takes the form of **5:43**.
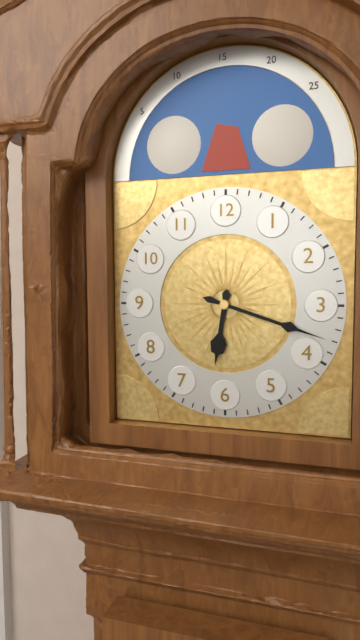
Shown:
**6:18**
